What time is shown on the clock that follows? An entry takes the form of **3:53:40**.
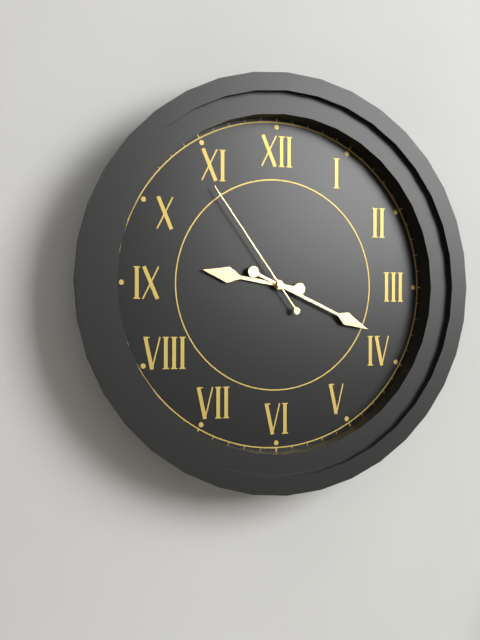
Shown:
**9:19:54**
